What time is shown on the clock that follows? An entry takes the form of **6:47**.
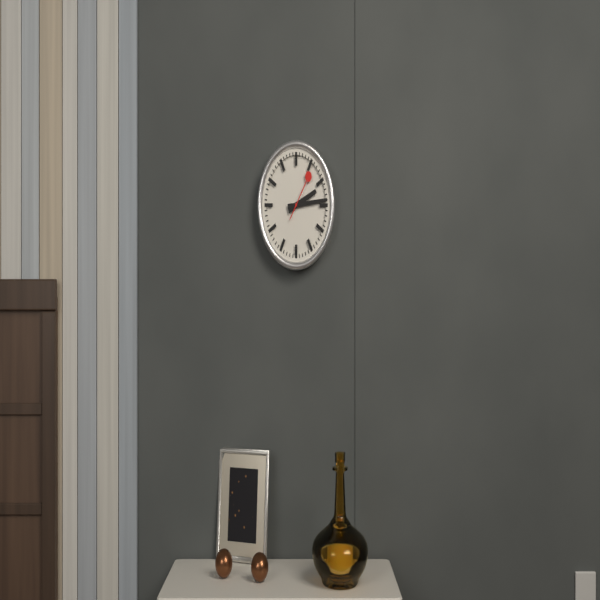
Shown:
**2:14**
